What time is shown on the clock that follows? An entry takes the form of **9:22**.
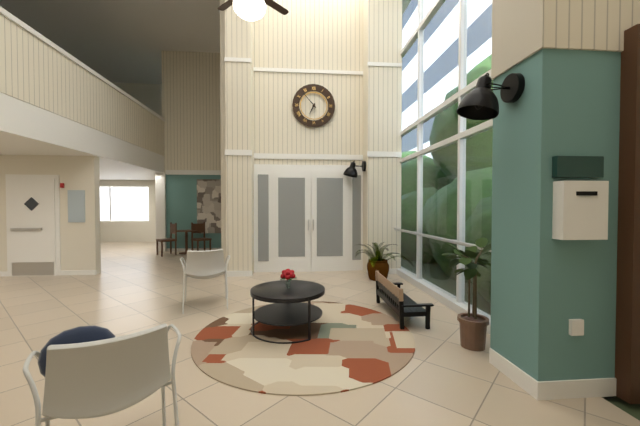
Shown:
**6:53**
